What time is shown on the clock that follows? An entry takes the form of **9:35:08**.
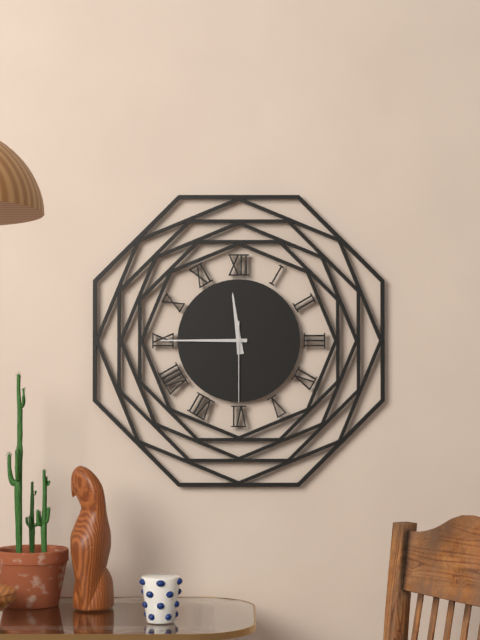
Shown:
**11:45:30**
